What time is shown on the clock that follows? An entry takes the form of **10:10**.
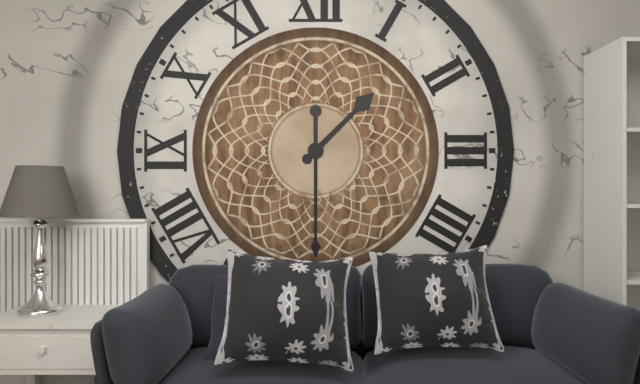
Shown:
**1:30**
